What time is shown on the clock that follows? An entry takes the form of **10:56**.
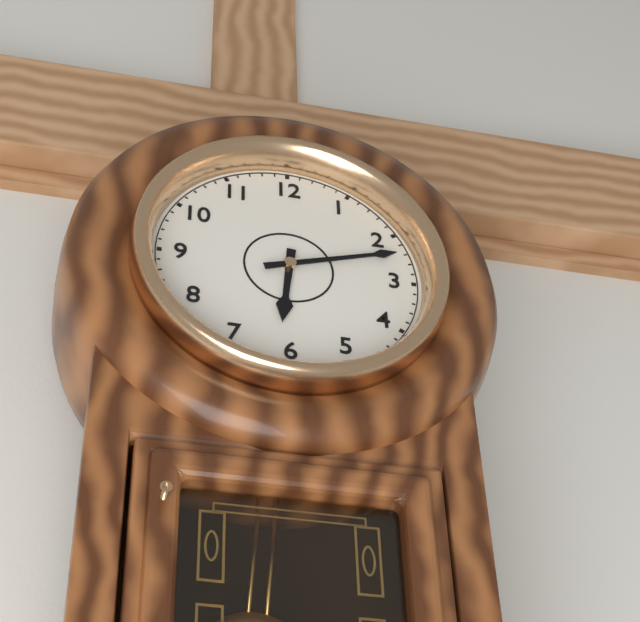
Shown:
**6:12**
